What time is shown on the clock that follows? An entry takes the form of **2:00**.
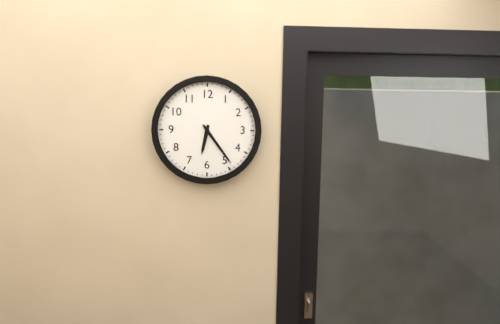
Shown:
**6:24**
